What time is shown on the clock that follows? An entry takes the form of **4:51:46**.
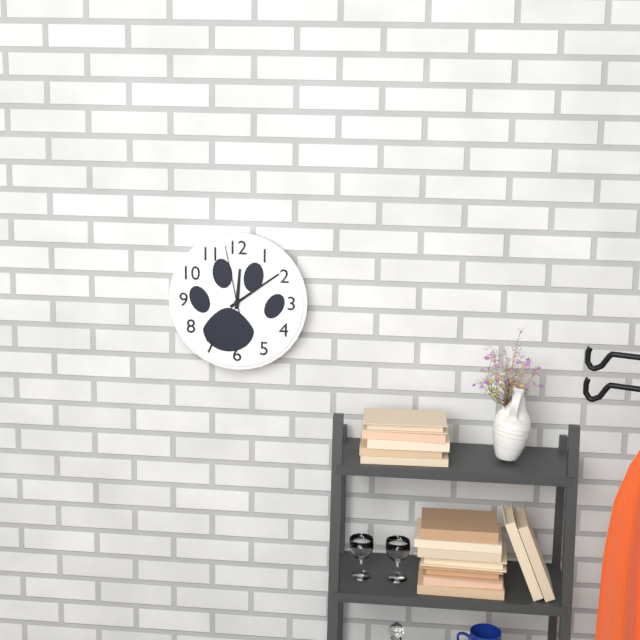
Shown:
**12:09:58**
